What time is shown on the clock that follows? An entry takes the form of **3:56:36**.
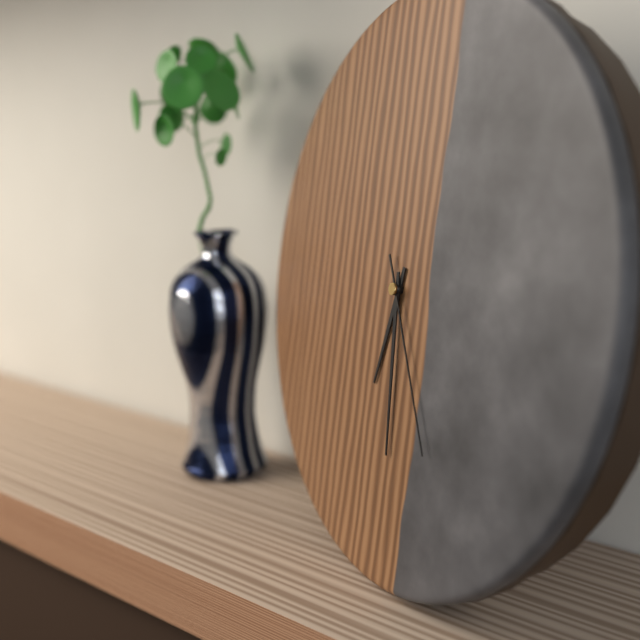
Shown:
**6:29:25**
